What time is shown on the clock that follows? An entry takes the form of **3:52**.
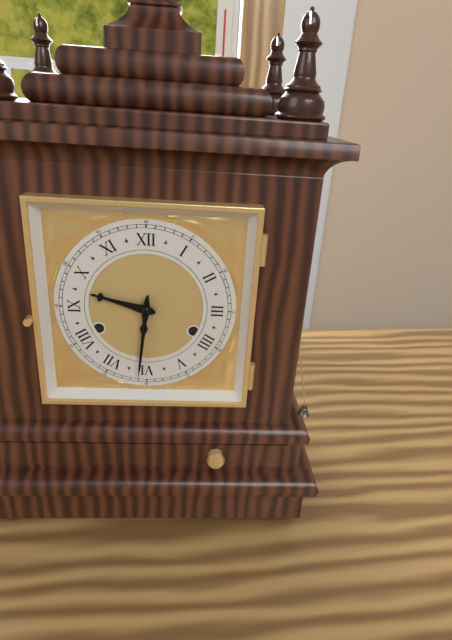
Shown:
**9:31**
